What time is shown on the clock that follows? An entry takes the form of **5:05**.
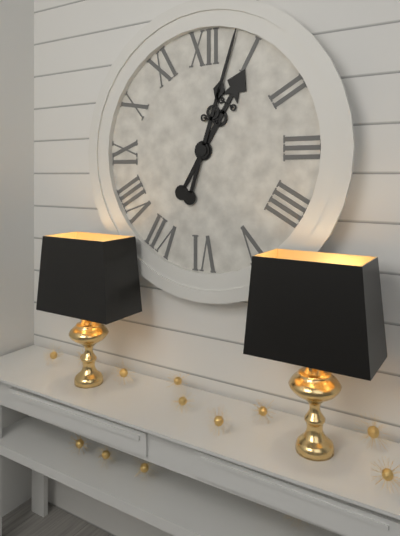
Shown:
**1:03**
